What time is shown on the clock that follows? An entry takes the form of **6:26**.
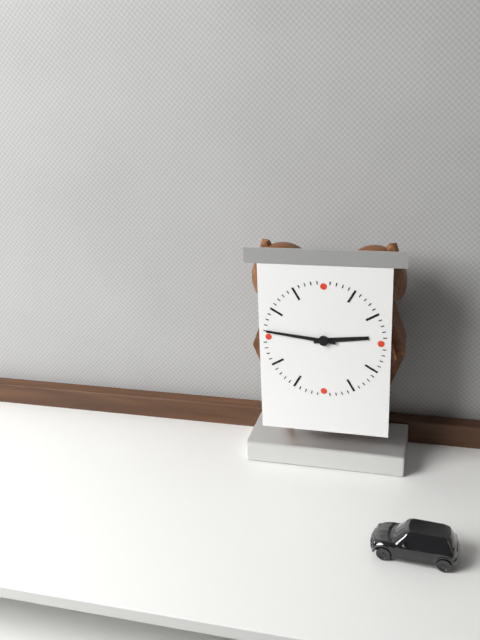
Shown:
**2:46**
